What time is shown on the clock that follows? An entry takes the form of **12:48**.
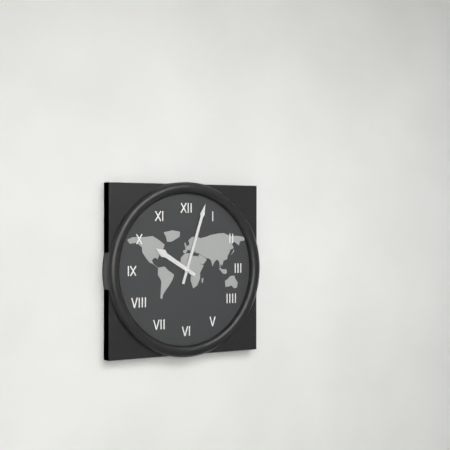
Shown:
**10:03**
